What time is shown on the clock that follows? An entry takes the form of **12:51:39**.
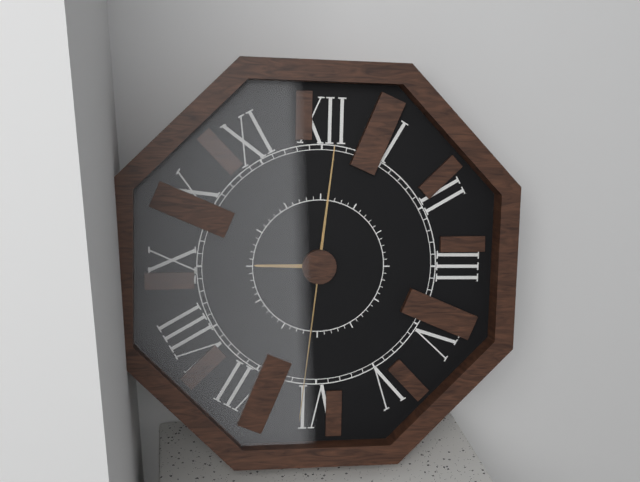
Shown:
**9:01:31**
